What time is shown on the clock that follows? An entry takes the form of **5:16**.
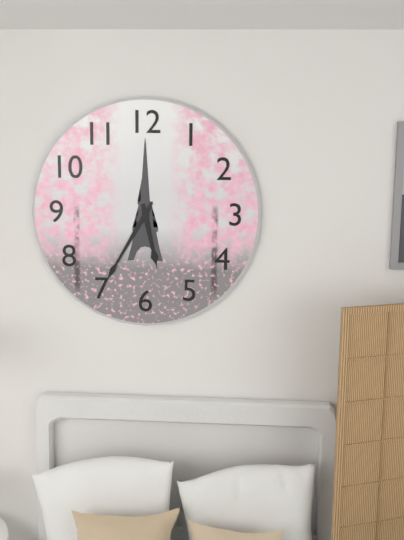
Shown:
**5:35**
